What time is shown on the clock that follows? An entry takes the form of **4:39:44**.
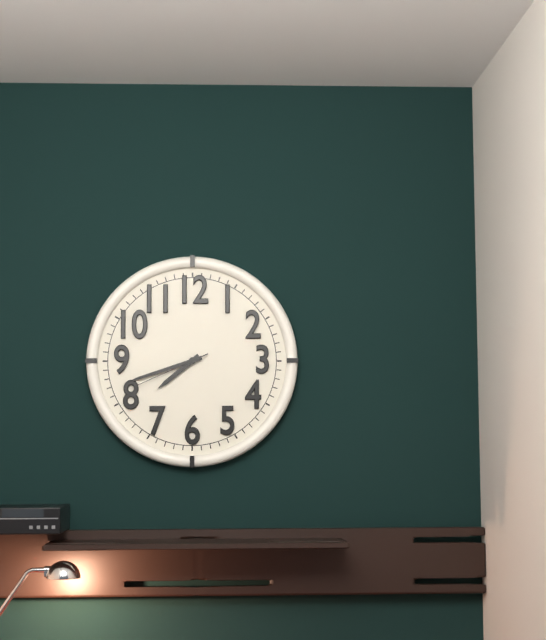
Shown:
**7:42:41**
